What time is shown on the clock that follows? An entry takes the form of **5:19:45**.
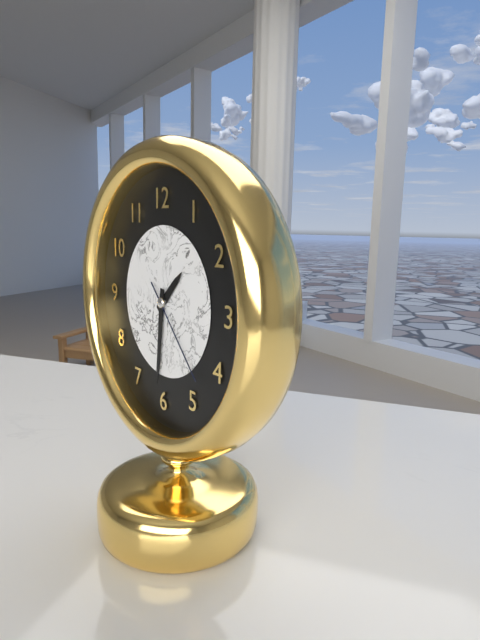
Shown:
**1:31:23**
